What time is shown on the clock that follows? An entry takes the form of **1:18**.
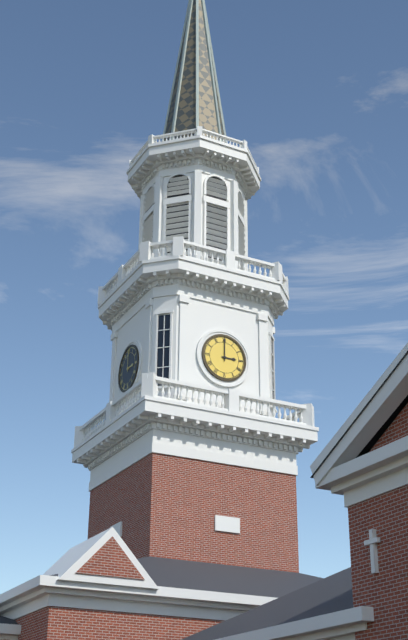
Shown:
**3:00**
